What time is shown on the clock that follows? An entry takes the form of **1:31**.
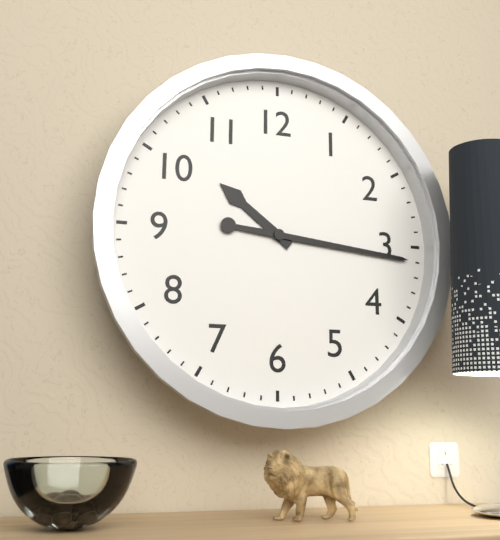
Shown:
**10:16**
